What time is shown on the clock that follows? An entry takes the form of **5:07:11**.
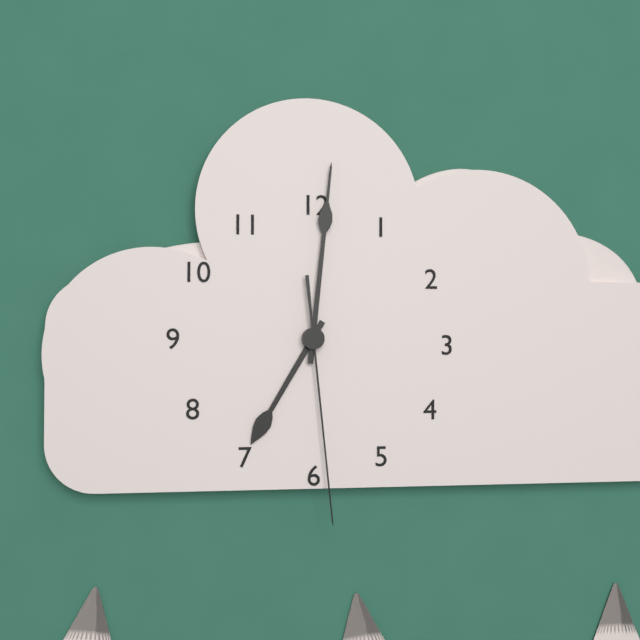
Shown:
**7:01:29**
